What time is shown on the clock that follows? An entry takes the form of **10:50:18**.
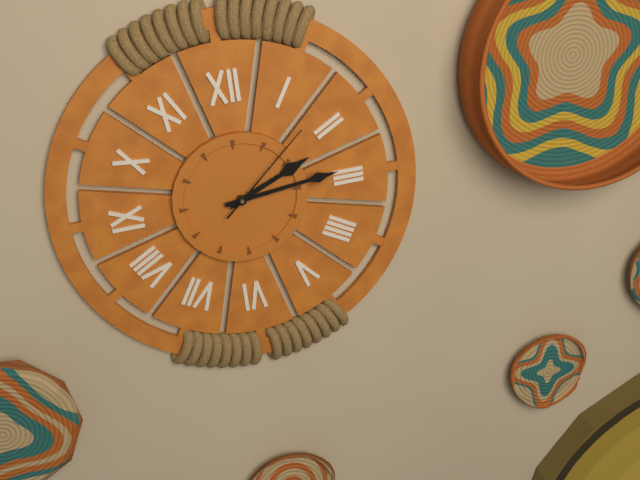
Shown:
**2:14:08**
